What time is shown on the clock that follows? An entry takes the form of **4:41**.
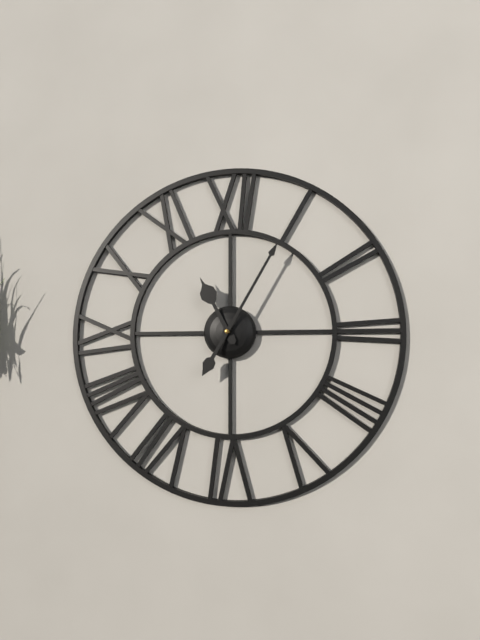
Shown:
**11:05**
